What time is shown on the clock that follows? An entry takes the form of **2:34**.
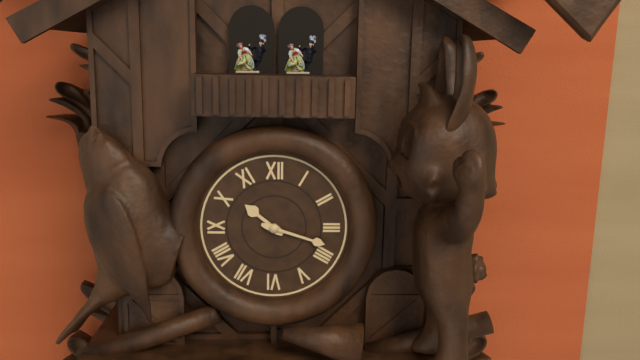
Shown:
**10:18**
